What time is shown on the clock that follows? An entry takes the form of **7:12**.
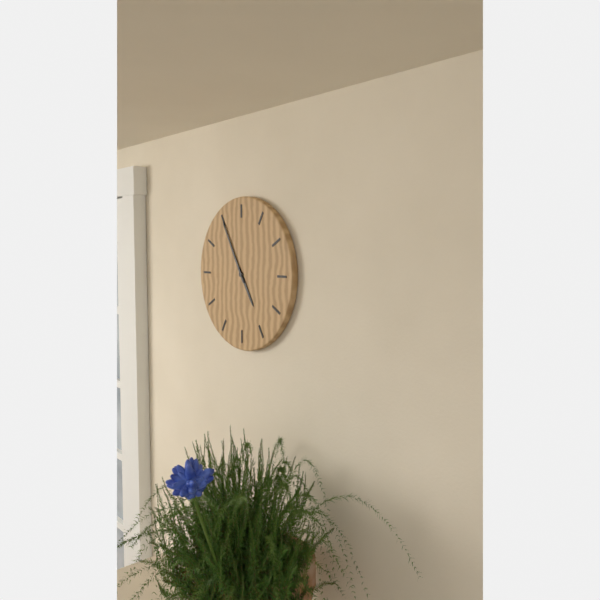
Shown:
**4:55**
